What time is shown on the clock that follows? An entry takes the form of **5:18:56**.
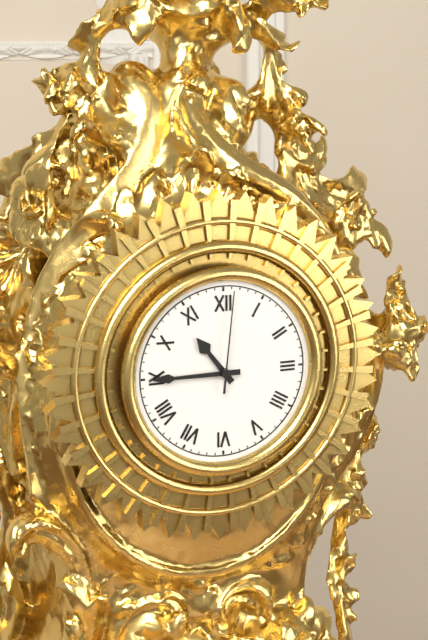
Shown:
**10:45:01**
